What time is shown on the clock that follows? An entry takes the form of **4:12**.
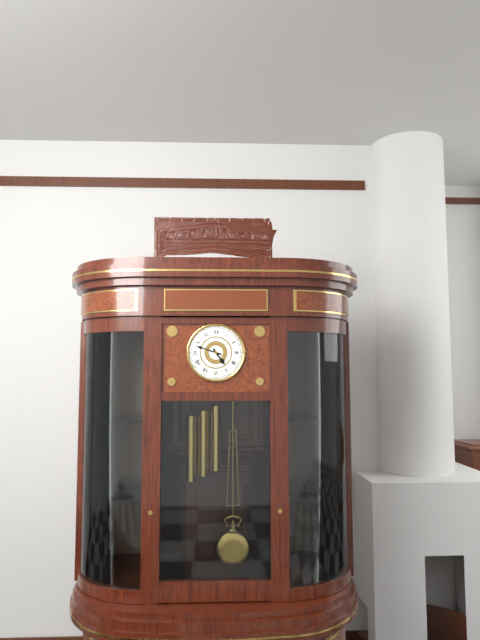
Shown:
**4:48**
